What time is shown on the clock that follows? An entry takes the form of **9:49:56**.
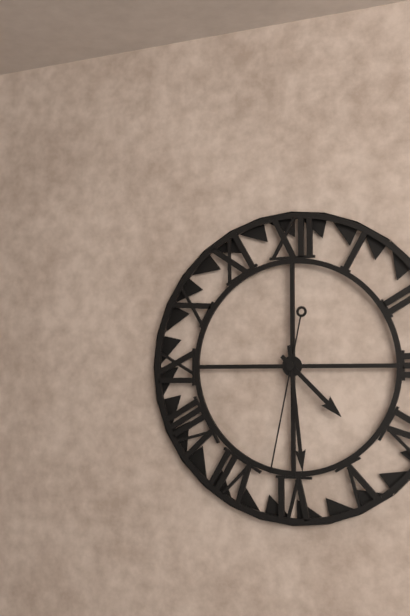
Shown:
**4:29:32**
